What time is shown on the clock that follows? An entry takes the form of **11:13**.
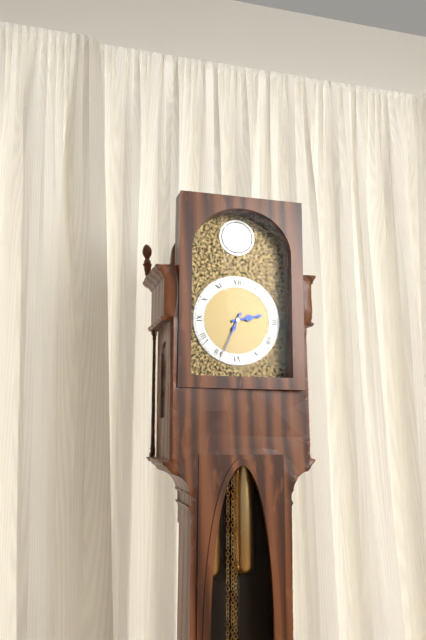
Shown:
**2:34**
